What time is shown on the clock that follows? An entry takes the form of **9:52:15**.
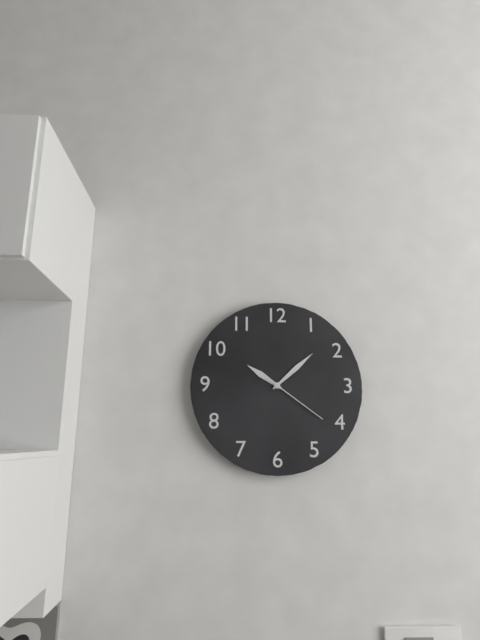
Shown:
**10:08:21**
